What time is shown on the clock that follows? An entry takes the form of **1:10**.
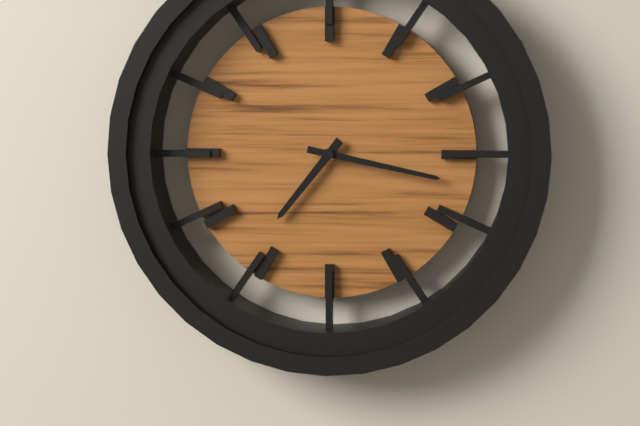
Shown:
**7:17**
